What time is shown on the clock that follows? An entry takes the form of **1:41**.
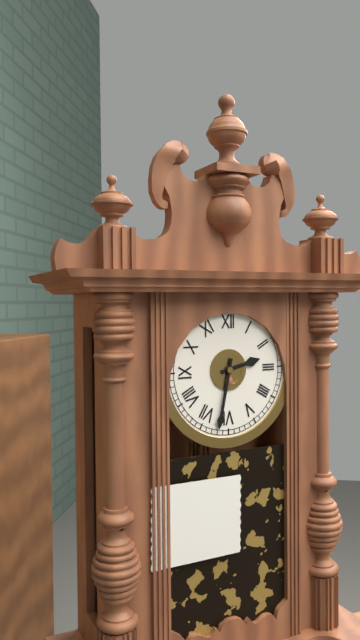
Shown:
**2:32**
